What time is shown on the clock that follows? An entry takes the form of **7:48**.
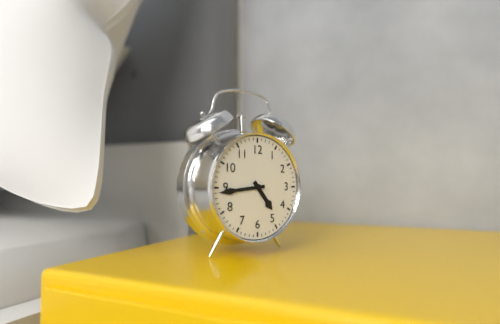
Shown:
**4:44**
